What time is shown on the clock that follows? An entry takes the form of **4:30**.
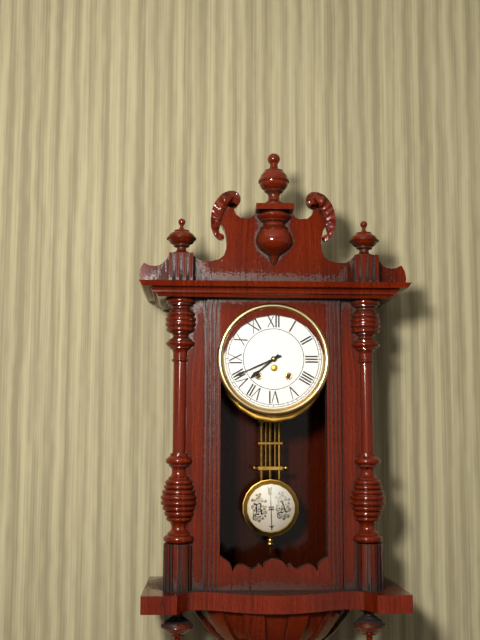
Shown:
**7:41**
